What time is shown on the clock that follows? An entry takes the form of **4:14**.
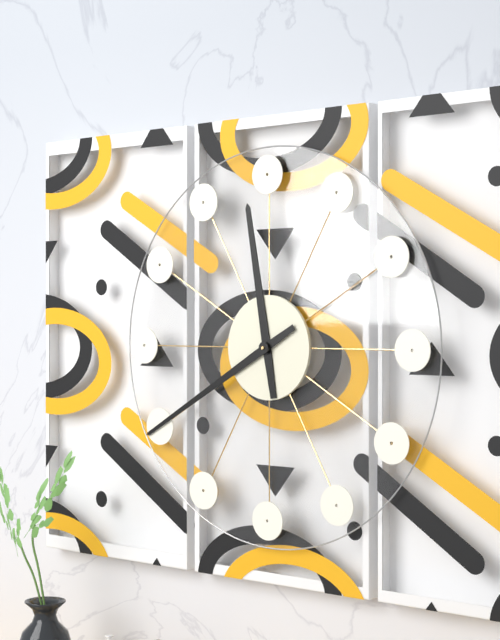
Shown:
**11:40**
